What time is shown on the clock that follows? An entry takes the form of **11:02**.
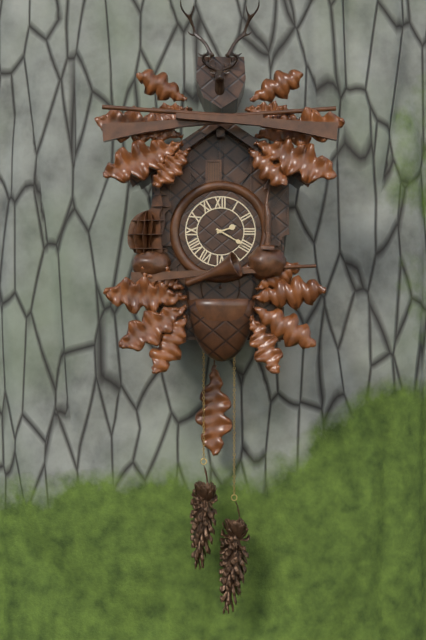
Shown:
**2:20**
